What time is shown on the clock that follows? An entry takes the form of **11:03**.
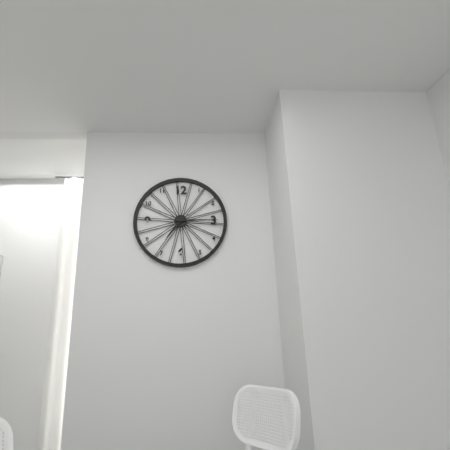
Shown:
**7:15**
